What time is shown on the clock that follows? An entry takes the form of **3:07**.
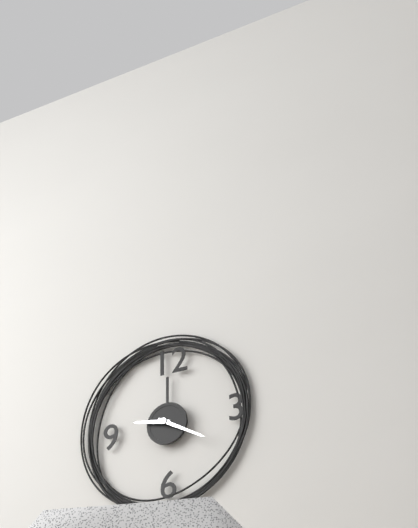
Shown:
**9:20**
